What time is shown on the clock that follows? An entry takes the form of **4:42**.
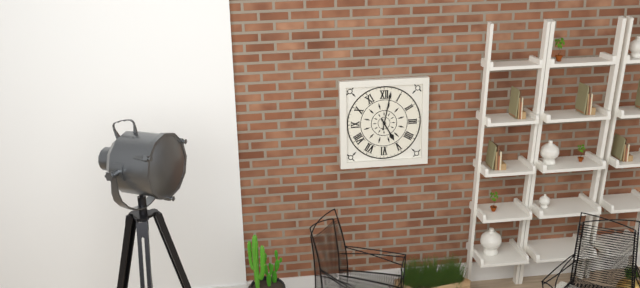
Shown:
**5:02**
